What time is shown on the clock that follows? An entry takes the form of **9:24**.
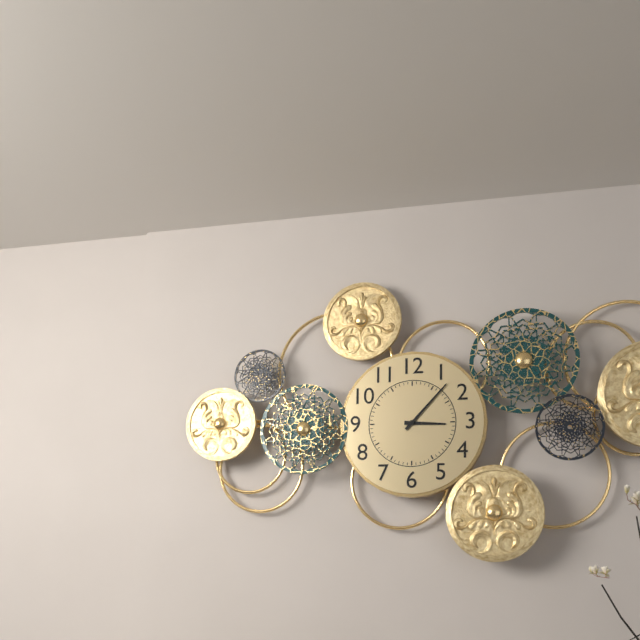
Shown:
**3:07**
